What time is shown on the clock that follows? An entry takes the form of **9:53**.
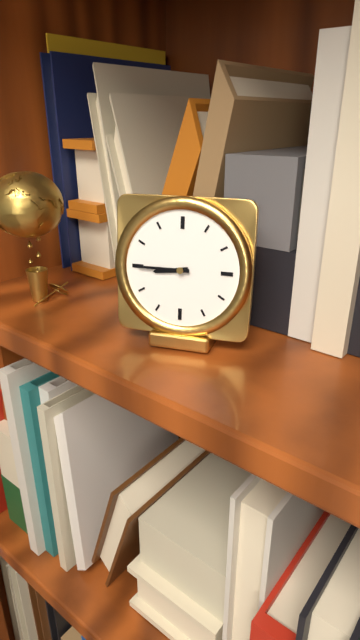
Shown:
**8:45**
